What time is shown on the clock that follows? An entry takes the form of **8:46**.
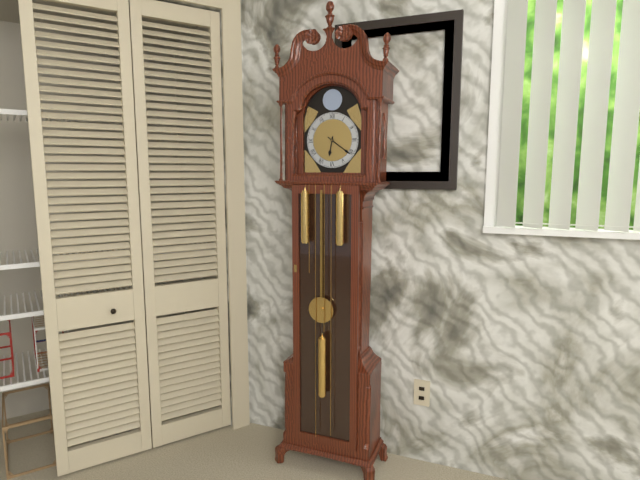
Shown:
**6:21**
